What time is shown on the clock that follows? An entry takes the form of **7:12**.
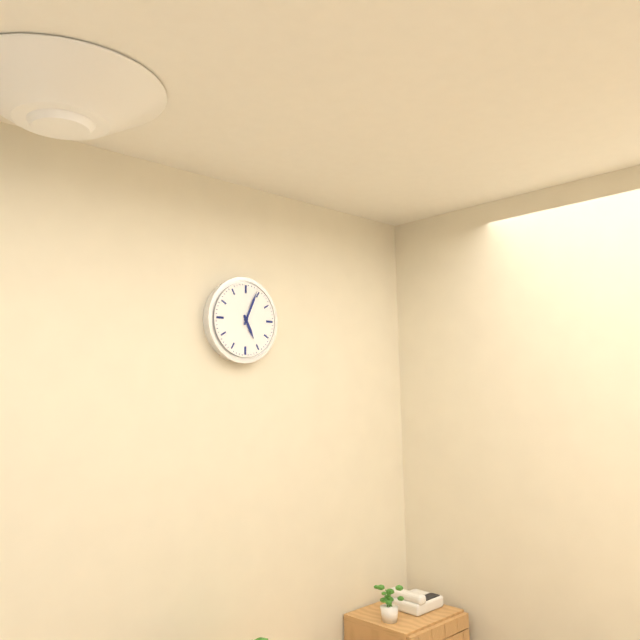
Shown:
**5:04**
